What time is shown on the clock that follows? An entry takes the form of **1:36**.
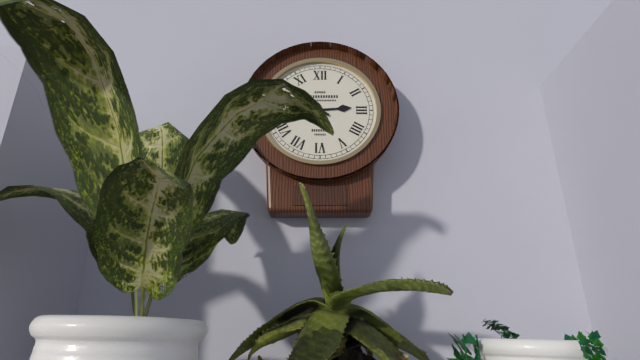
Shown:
**2:51**
